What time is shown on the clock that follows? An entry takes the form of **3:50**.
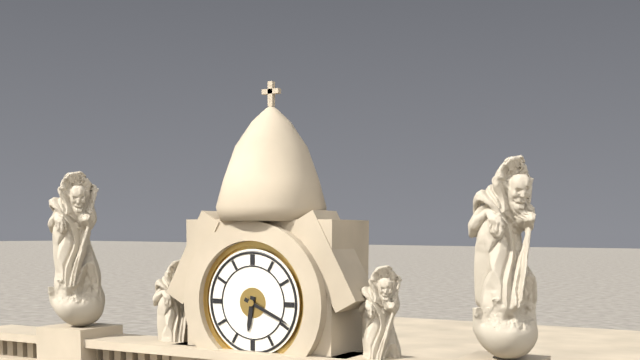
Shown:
**6:19**
